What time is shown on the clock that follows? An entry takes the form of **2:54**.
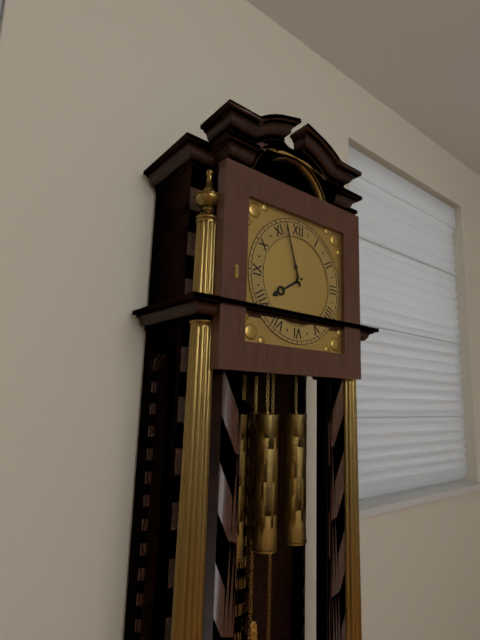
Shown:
**7:57**
